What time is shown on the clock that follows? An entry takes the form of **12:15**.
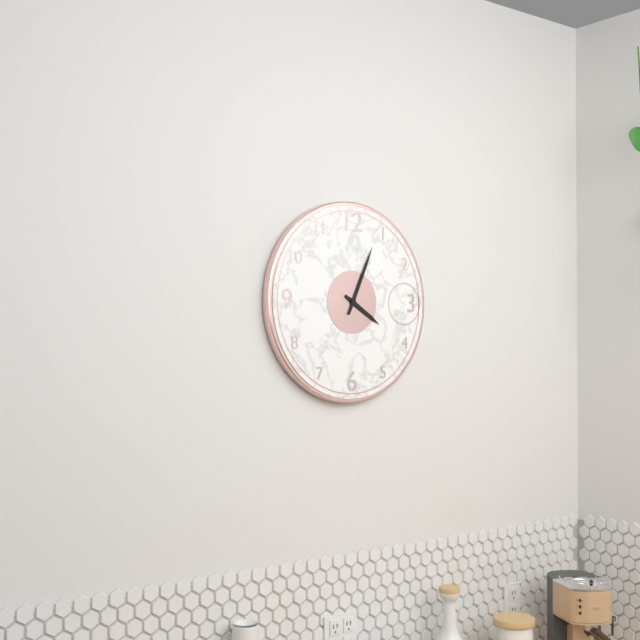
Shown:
**4:04**
